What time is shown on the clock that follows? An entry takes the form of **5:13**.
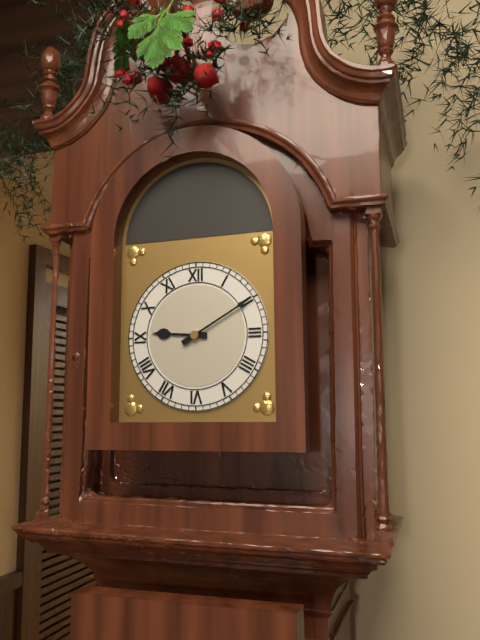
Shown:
**9:10**
